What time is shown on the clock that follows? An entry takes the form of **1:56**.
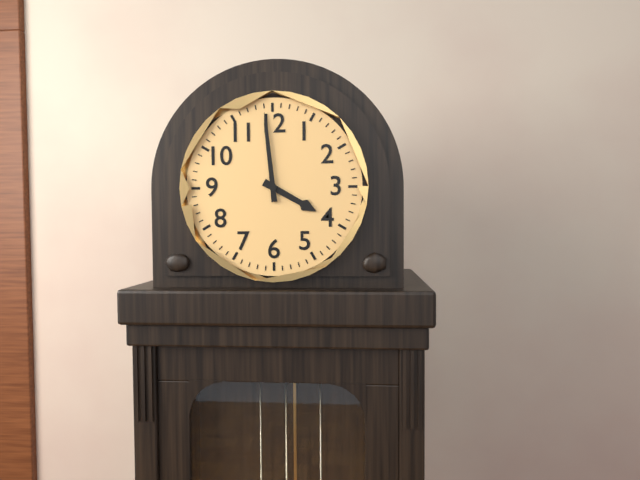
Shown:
**3:59**
